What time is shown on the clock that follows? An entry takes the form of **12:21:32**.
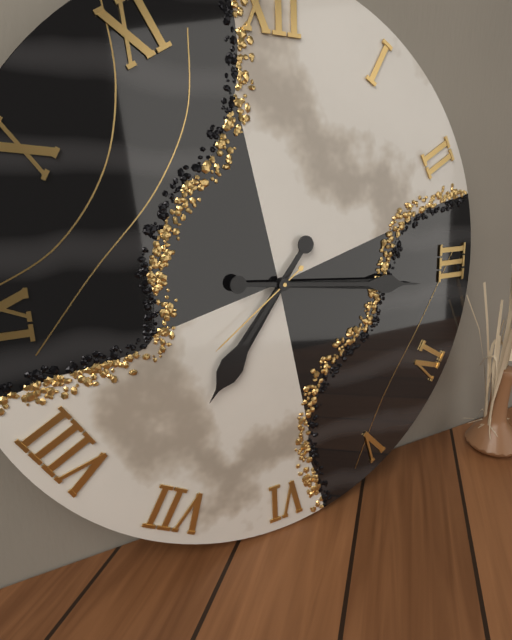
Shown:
**7:16:39**
